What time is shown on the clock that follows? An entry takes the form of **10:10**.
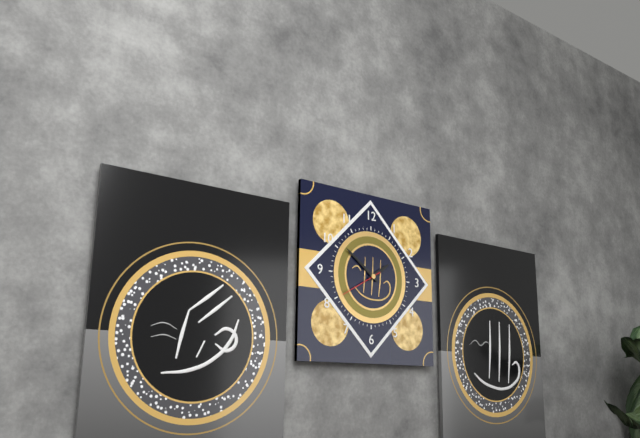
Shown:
**1:51**
